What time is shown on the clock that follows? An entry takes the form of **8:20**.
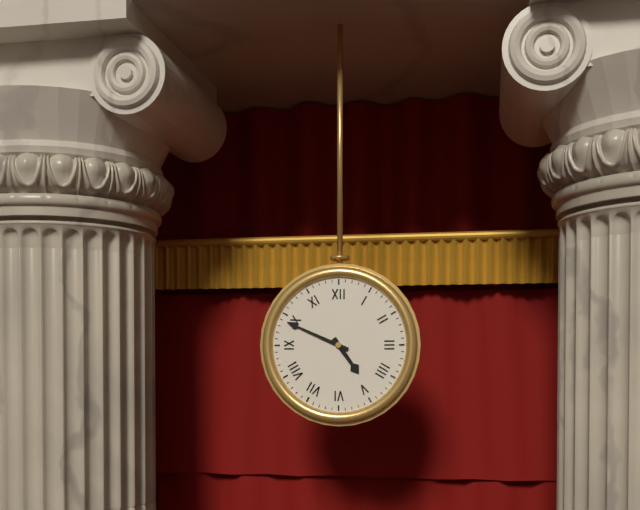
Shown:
**4:49**
